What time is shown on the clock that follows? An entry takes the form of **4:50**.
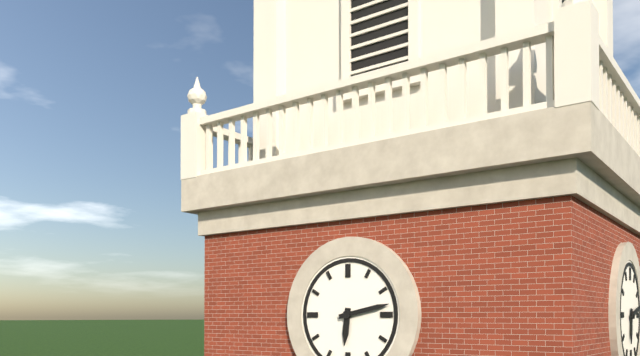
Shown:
**6:13**
